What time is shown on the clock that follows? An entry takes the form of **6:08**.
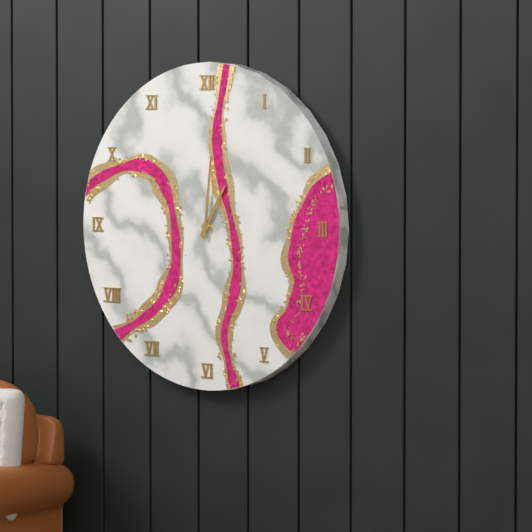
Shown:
**1:01**
